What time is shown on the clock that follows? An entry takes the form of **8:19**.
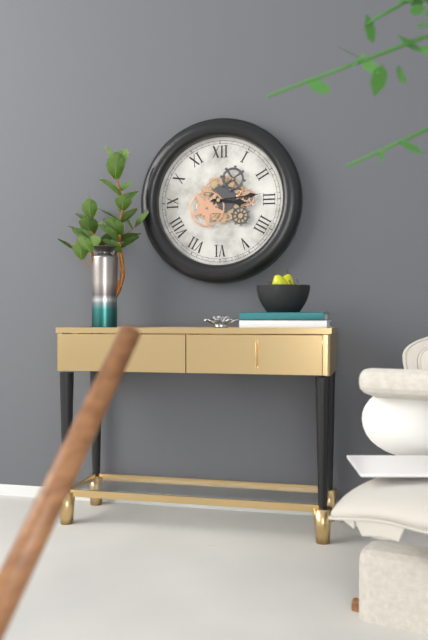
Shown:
**3:14**
